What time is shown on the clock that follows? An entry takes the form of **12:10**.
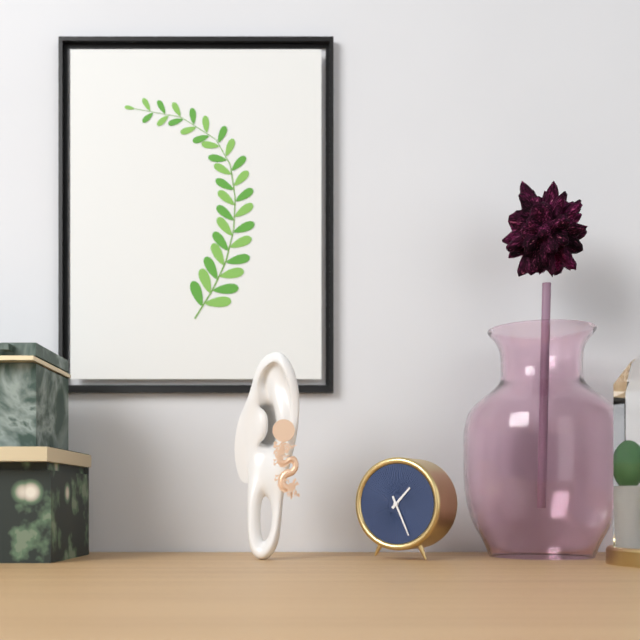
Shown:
**1:26**
